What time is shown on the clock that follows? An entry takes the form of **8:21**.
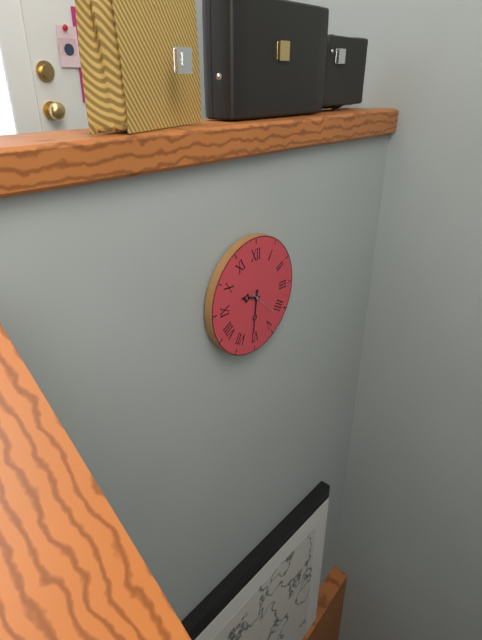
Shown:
**9:31**
